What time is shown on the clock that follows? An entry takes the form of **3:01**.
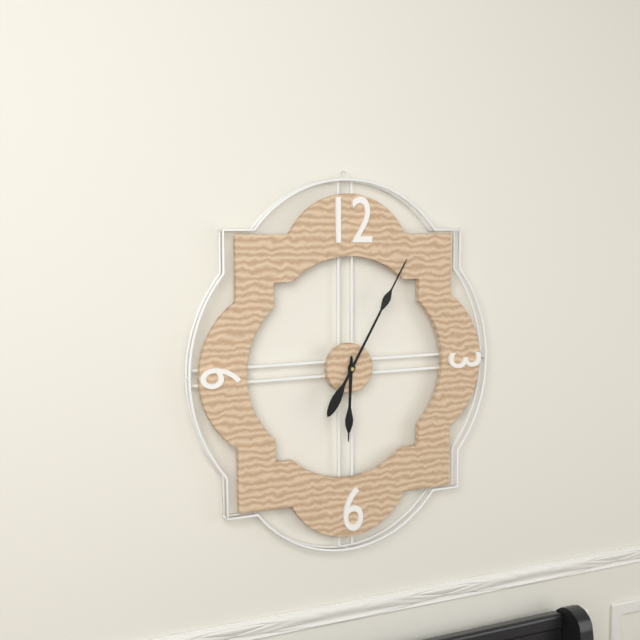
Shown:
**6:05**
